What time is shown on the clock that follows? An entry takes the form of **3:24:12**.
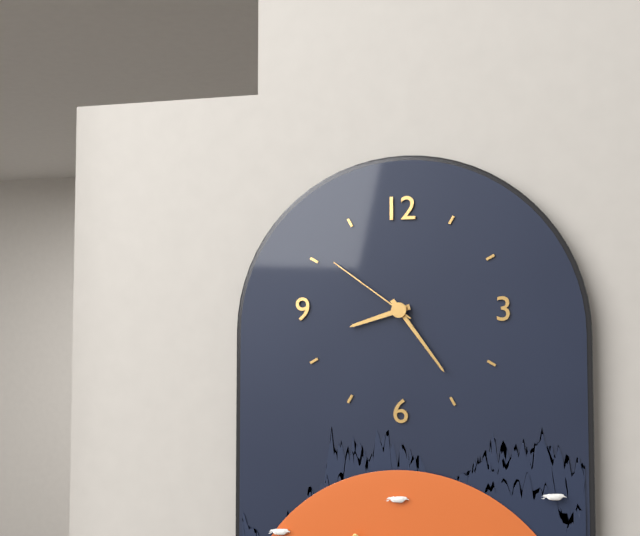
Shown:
**8:24:51**
